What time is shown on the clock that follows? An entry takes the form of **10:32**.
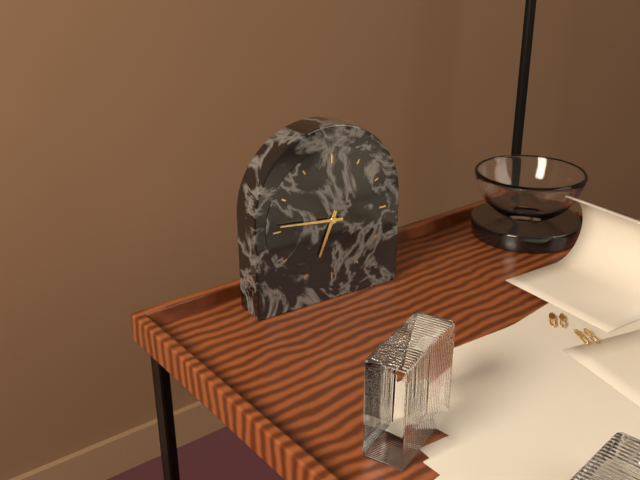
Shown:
**6:46**
